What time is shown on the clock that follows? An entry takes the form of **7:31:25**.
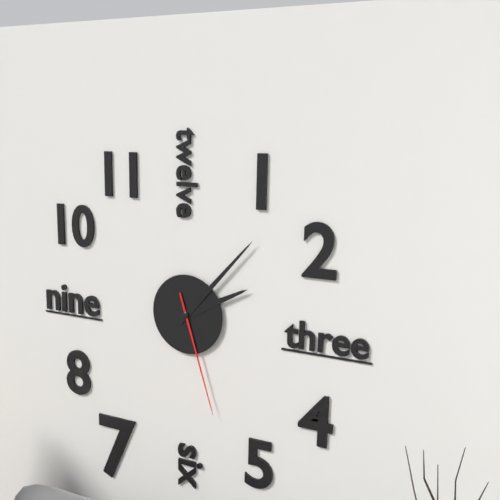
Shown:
**2:07:27**
